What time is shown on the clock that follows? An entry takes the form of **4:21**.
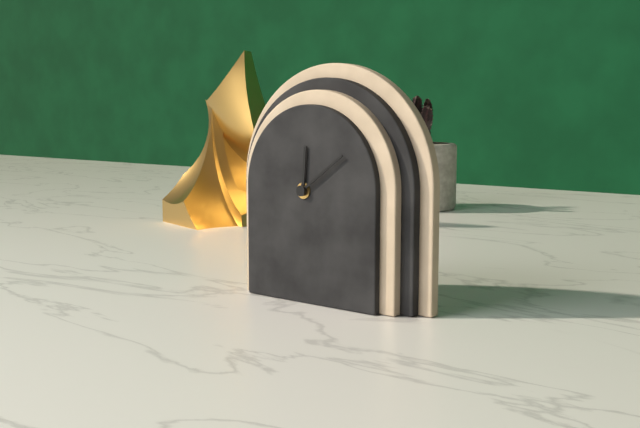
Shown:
**12:09**
